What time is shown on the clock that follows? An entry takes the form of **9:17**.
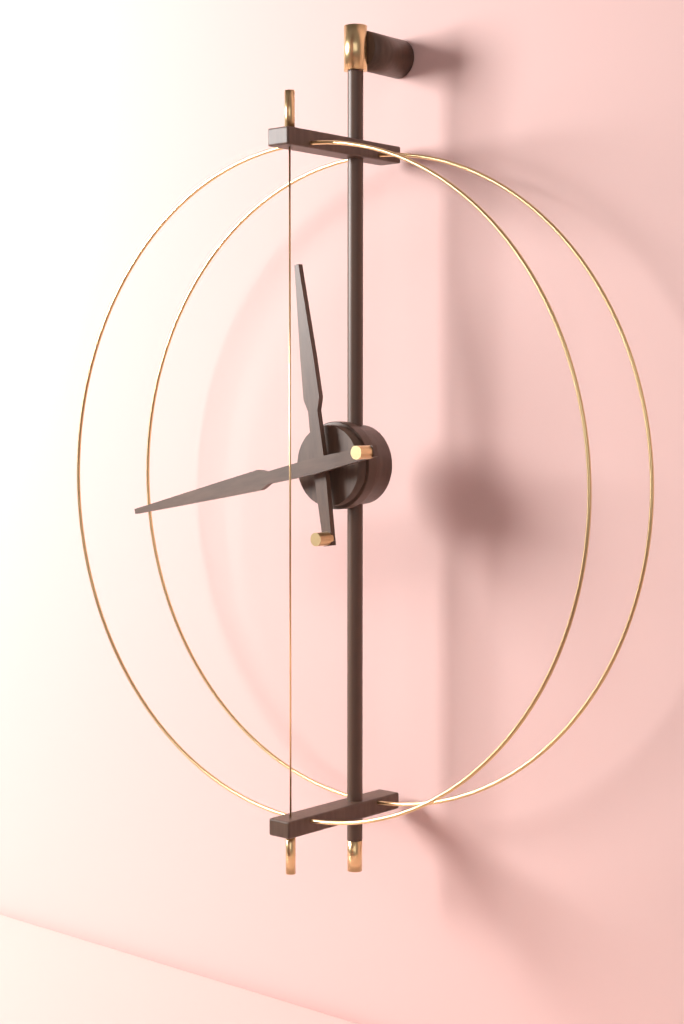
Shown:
**11:43**
